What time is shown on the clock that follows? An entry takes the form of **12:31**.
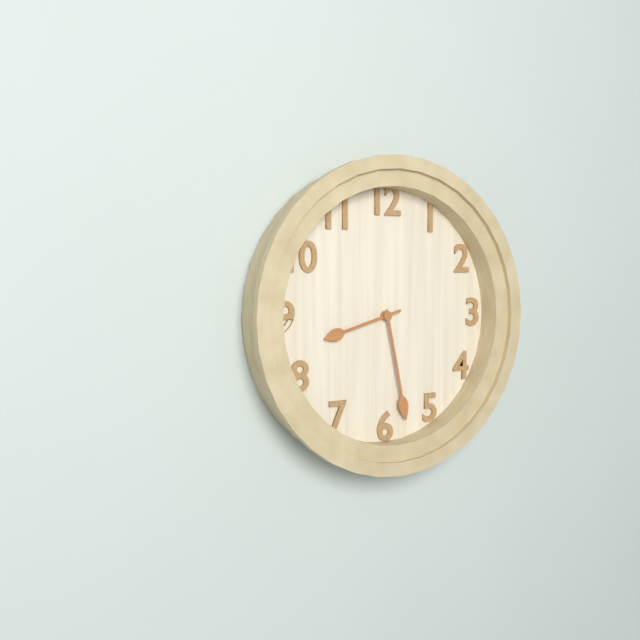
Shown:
**8:28**
